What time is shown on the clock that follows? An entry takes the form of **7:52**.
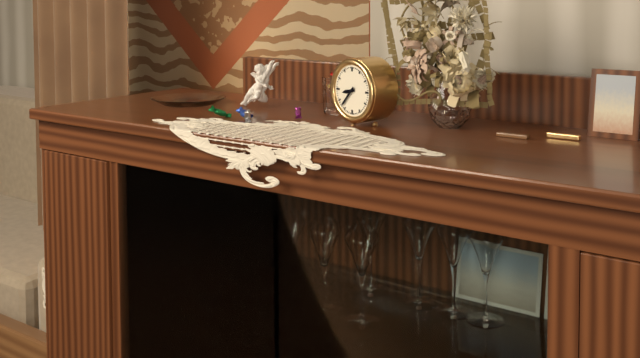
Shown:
**8:37**
